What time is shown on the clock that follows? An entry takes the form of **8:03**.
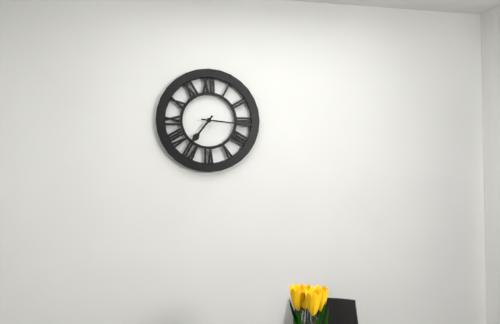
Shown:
**7:16**
